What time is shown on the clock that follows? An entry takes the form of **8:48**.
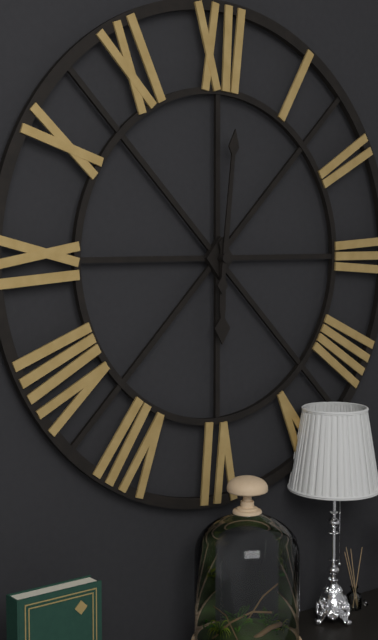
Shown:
**6:01**
